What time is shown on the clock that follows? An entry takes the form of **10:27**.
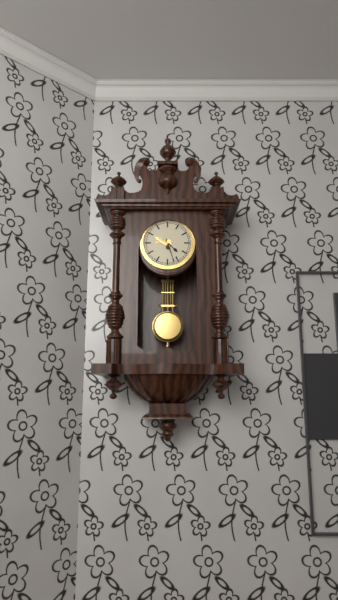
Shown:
**4:27**
